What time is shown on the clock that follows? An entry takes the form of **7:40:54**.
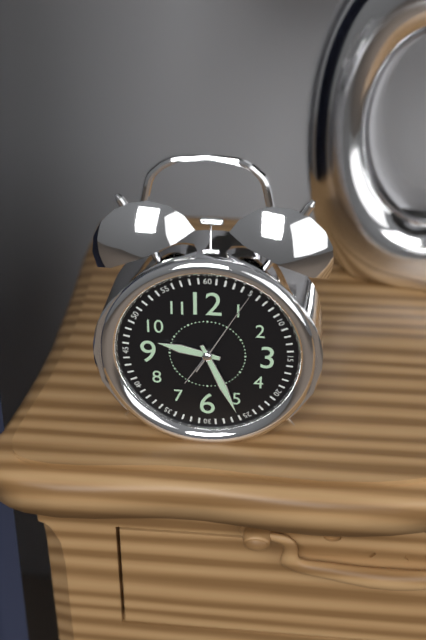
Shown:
**9:26:05**
